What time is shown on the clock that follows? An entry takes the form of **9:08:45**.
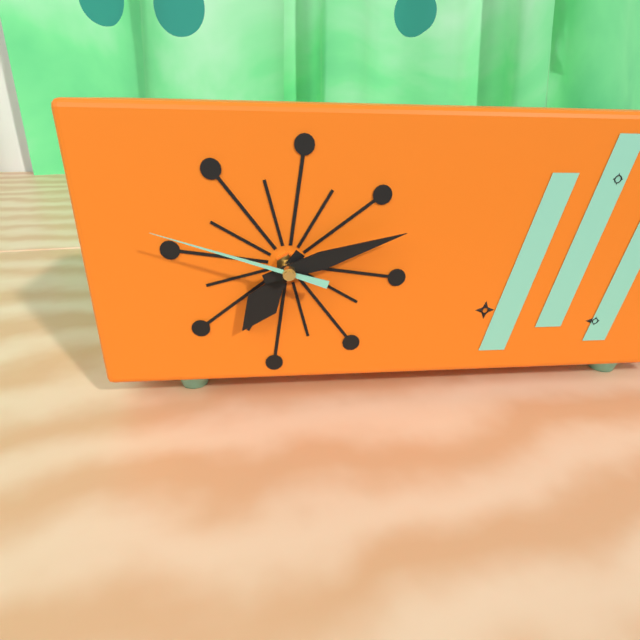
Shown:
**7:12:48**
